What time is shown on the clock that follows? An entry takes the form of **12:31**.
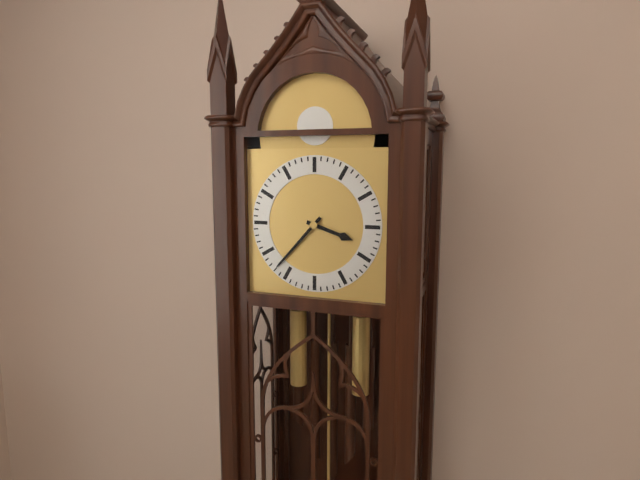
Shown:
**3:37**
